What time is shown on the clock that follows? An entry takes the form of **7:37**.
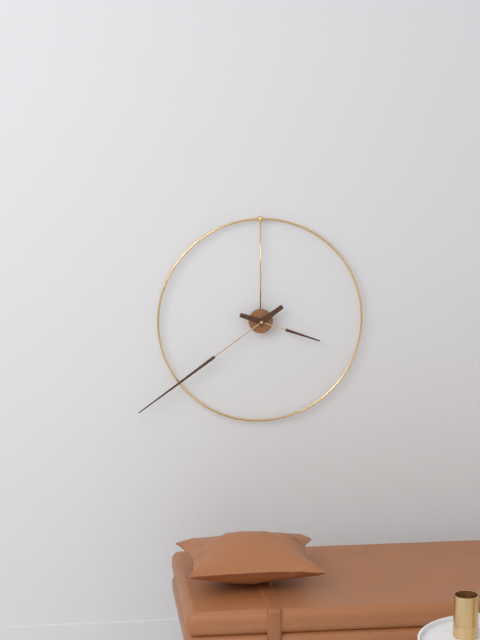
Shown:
**3:39**
